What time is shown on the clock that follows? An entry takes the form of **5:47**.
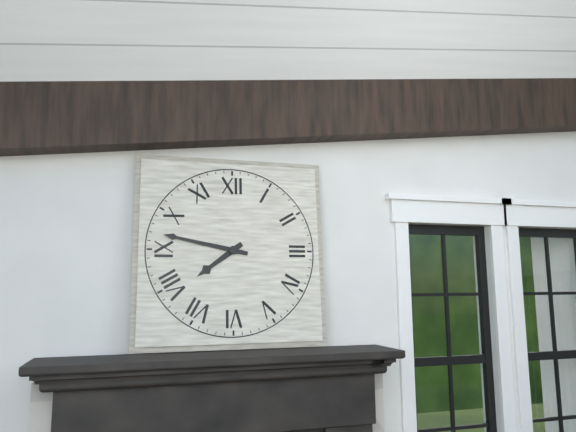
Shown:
**7:47**
